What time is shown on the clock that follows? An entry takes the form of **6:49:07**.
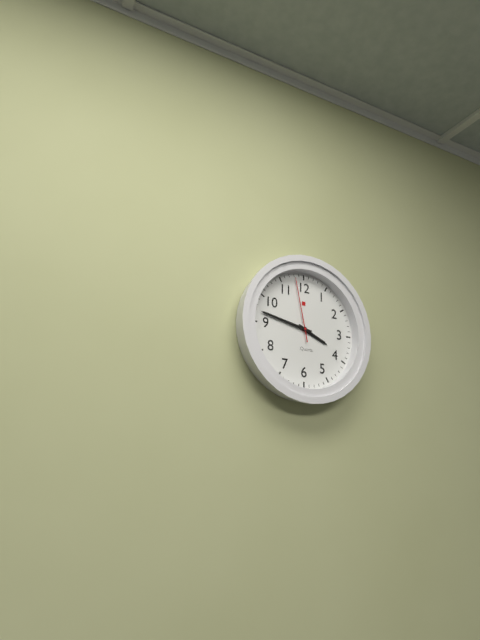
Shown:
**3:47:58**
